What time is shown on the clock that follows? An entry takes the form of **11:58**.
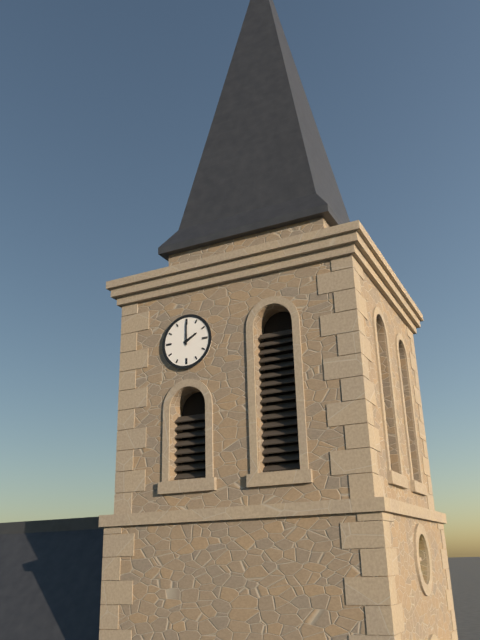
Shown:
**2:00**
